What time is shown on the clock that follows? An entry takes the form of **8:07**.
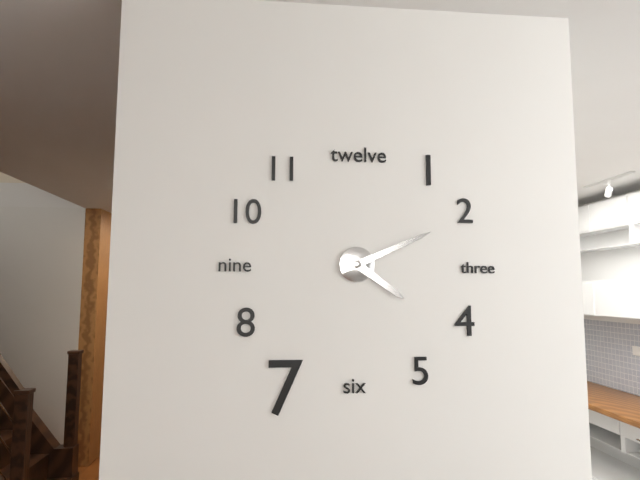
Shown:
**4:11**
